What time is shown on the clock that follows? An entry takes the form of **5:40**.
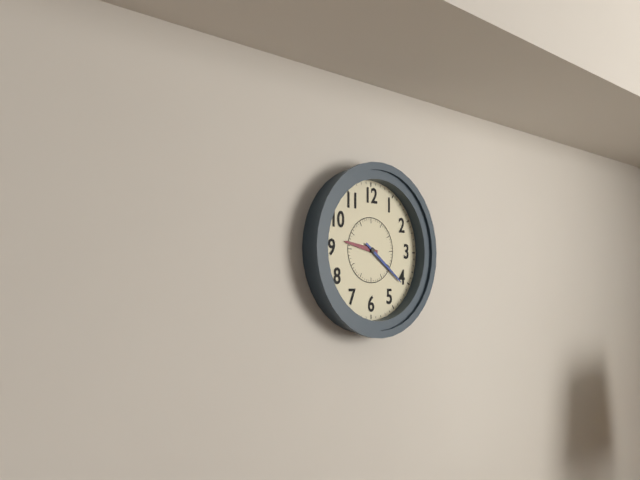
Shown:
**9:21**
